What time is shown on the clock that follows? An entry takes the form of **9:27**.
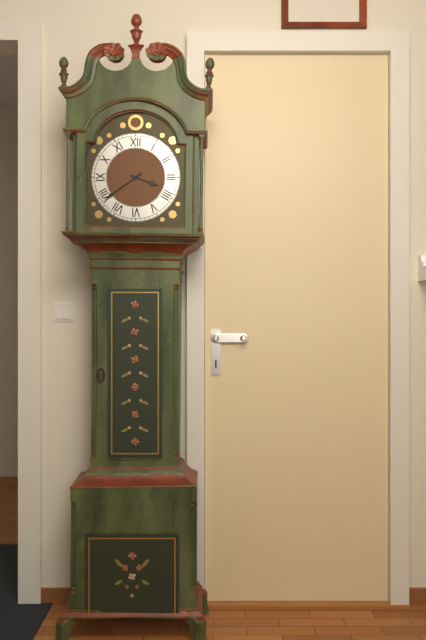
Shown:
**3:39**
